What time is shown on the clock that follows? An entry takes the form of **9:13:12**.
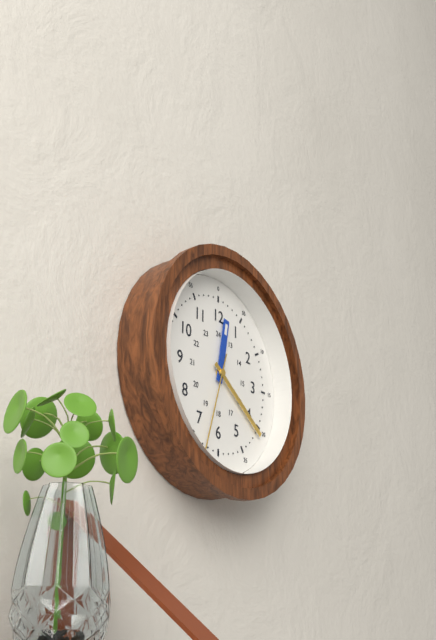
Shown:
**12:21:33**
